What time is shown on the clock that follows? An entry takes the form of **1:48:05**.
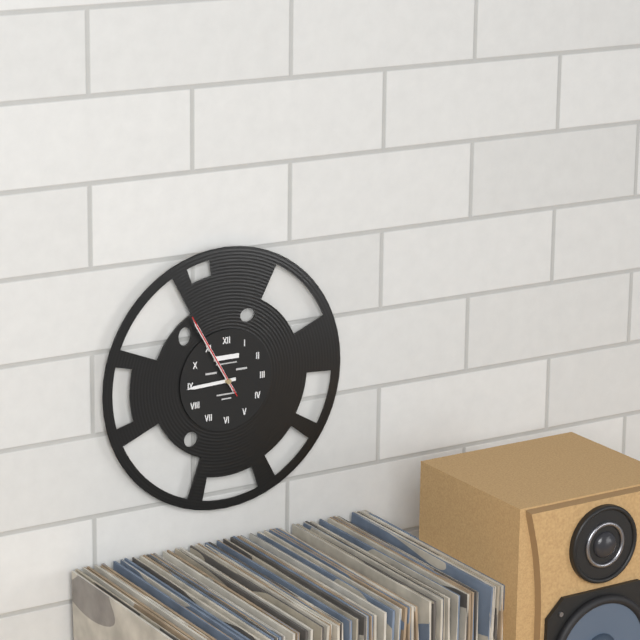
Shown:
**8:55:55**
